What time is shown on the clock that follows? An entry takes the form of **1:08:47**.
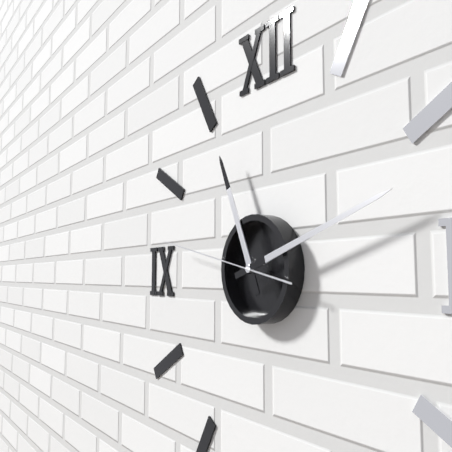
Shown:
**11:12:47**
